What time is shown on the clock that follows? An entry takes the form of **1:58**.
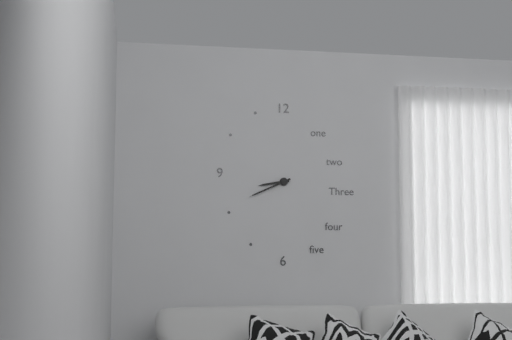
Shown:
**8:41**
